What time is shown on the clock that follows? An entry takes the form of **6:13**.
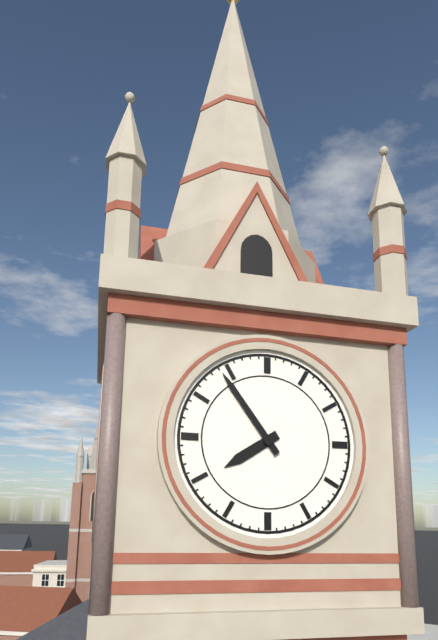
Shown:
**7:54**
